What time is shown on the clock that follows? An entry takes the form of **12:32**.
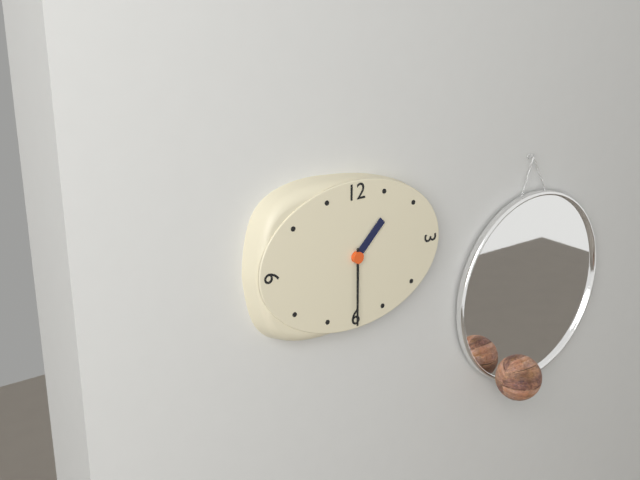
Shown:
**1:30**
